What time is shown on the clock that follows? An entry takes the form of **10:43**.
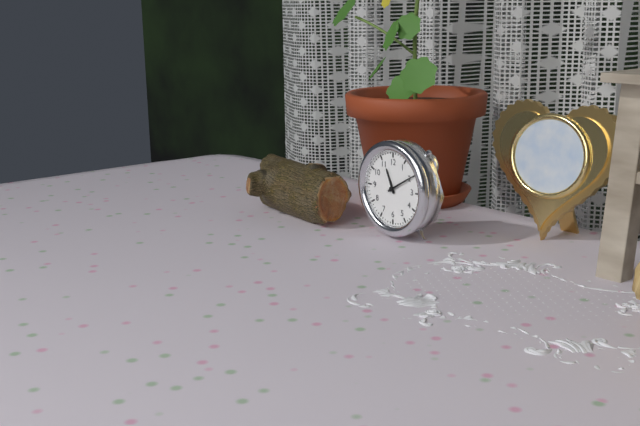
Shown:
**11:10**
